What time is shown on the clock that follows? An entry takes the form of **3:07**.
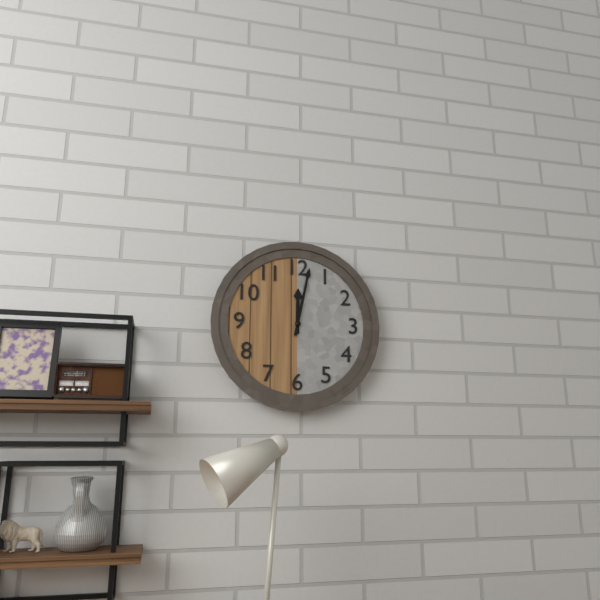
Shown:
**12:02**
